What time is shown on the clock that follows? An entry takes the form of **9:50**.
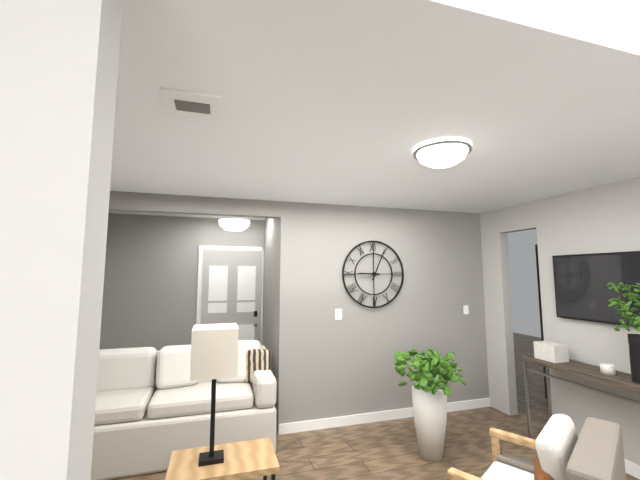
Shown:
**9:04**
